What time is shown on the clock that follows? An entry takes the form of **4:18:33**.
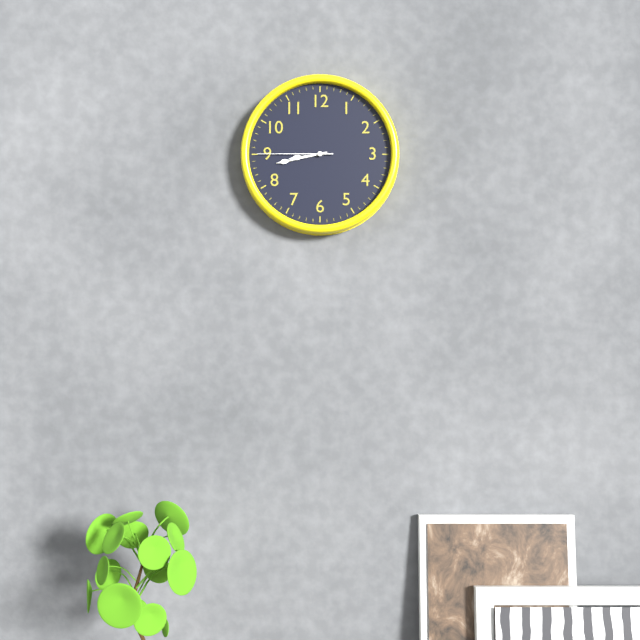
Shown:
**8:43:45**
